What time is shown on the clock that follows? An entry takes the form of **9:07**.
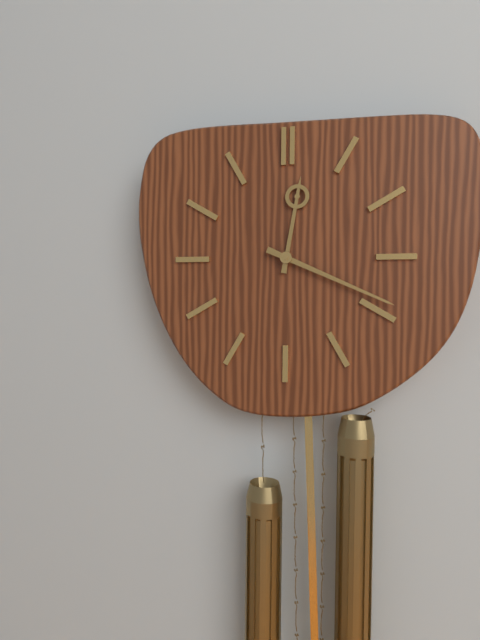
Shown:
**12:19**
